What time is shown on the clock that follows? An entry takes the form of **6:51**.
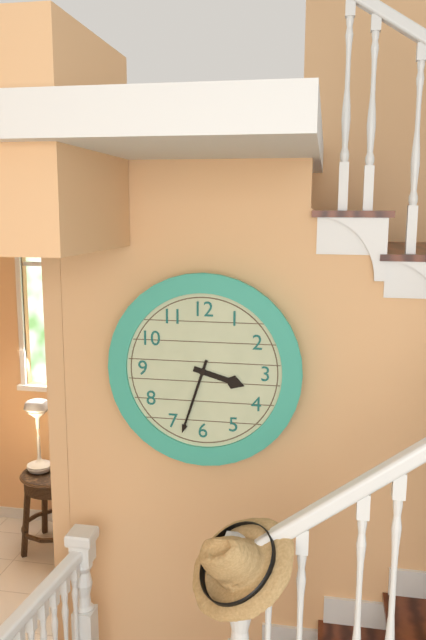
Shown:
**3:33**
